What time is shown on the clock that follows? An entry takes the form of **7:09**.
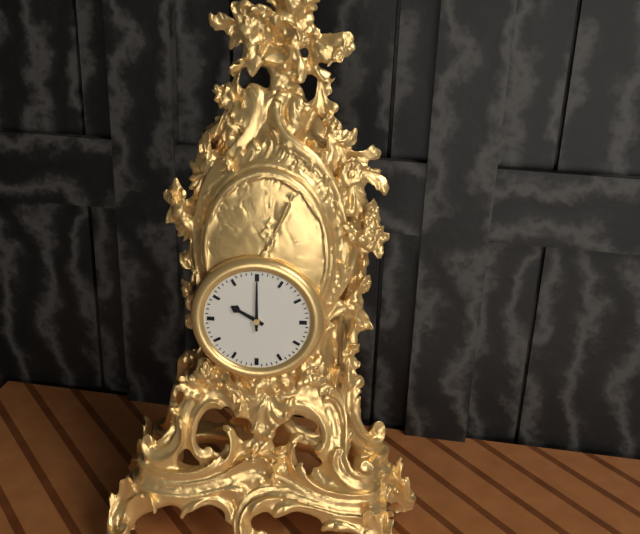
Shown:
**10:00**
